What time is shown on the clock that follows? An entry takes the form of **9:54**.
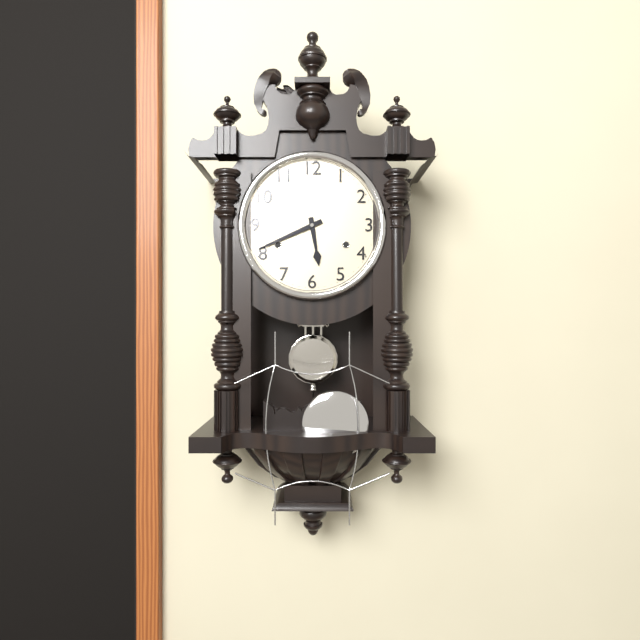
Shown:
**5:41**
